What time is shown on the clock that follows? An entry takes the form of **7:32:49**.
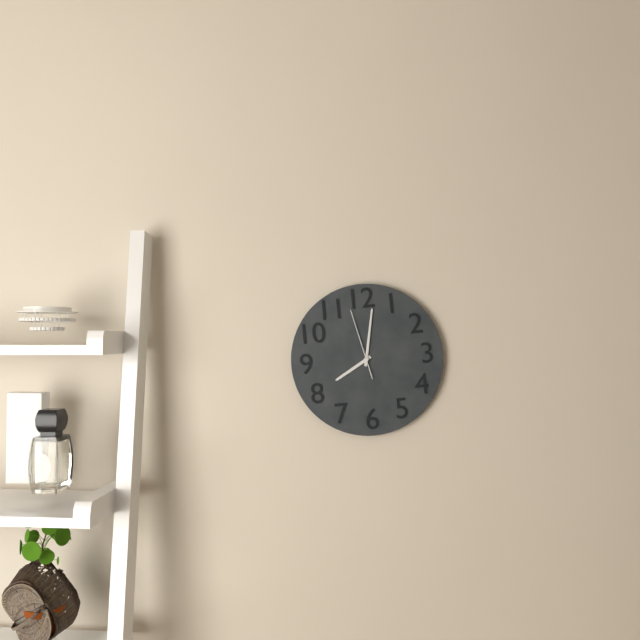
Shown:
**8:02:58**
